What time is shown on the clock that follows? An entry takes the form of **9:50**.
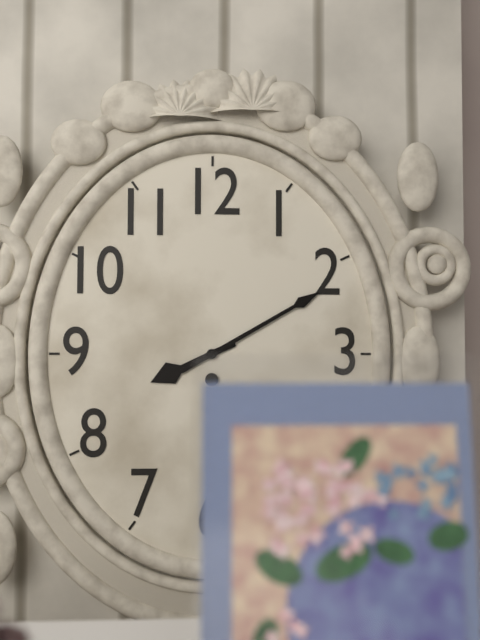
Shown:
**8:10**
